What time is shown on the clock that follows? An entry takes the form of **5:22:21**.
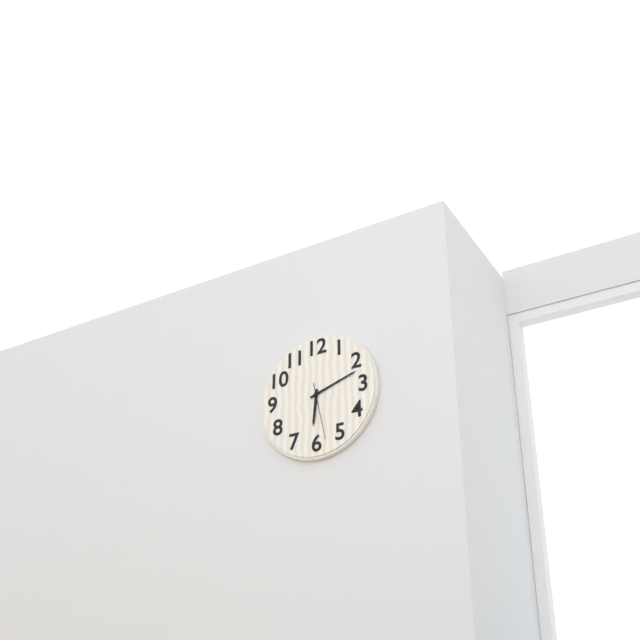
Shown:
**6:12:28**
